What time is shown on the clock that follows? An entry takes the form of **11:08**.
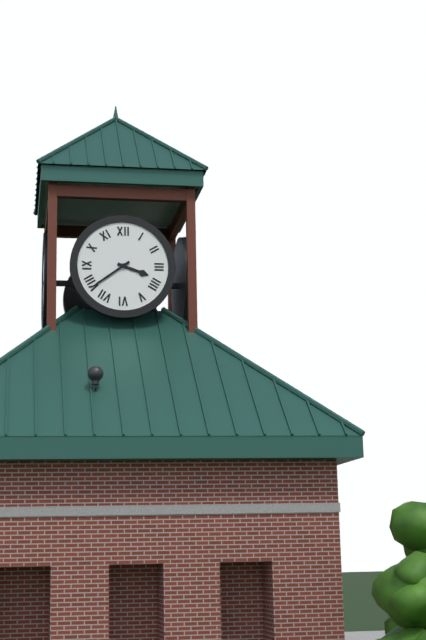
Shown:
**3:39**
